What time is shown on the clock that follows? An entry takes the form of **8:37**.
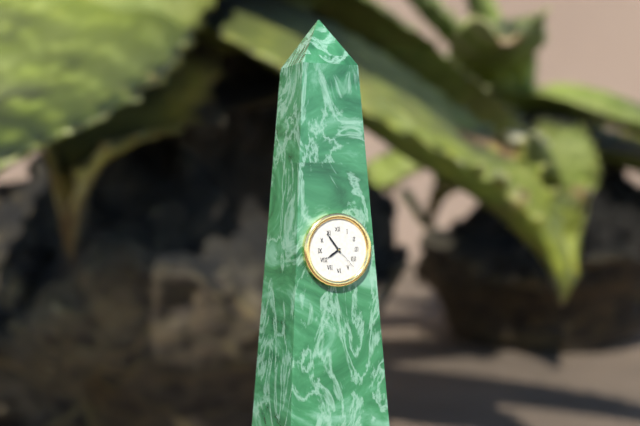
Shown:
**7:54**
